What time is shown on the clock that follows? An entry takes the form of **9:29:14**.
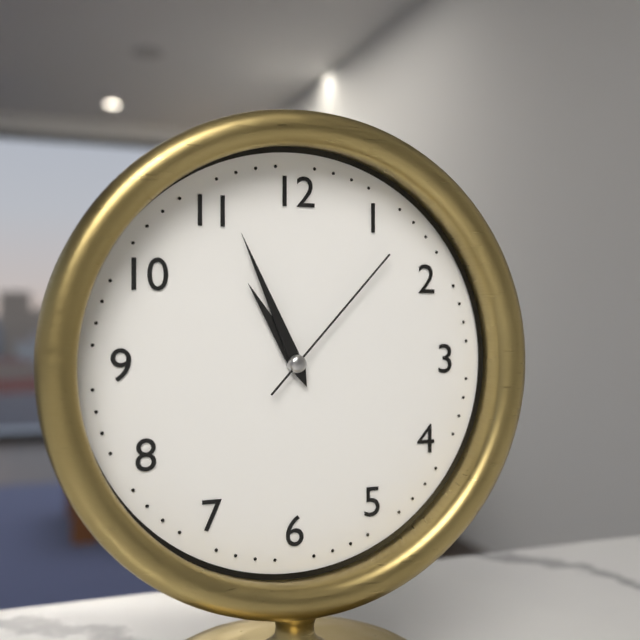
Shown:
**10:56:07**
